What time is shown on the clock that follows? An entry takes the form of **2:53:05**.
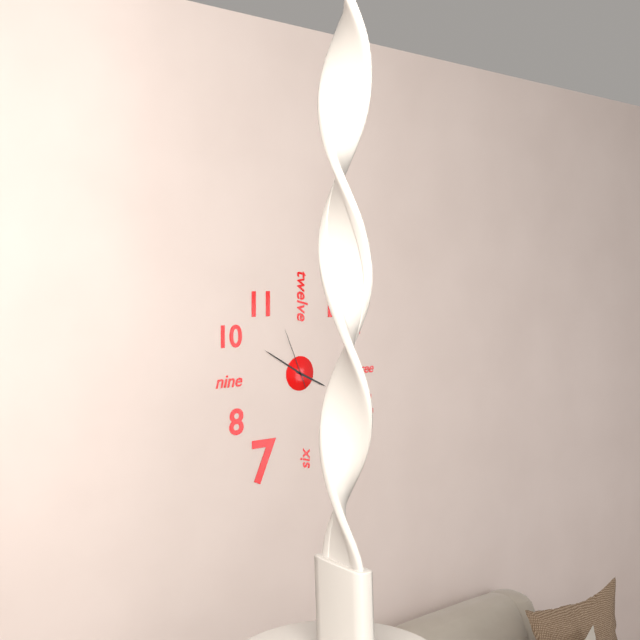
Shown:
**3:50:56**
